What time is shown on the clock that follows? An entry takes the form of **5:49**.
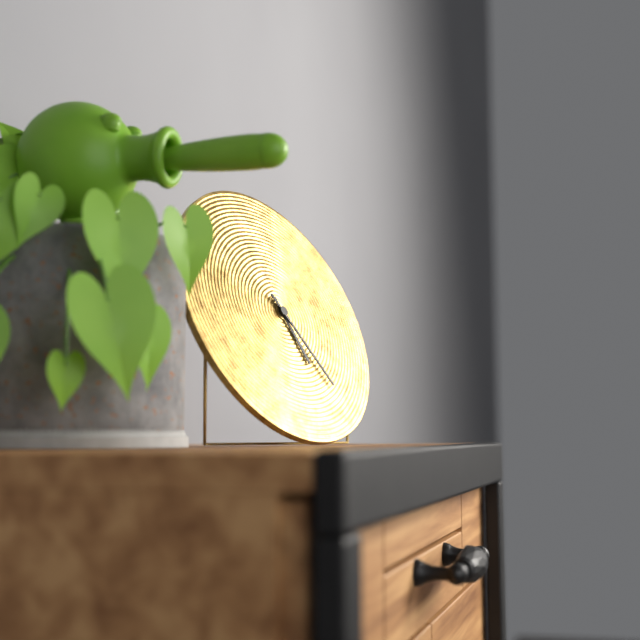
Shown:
**5:25**
